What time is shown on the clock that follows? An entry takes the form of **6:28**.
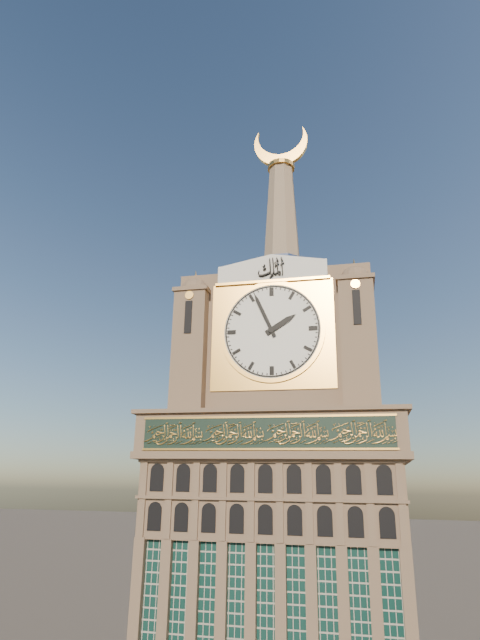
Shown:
**1:56**
